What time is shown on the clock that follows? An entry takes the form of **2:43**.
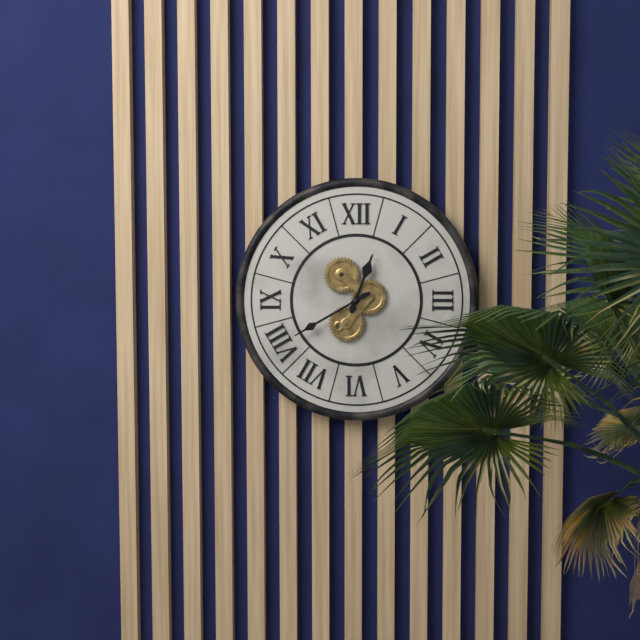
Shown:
**12:40**
